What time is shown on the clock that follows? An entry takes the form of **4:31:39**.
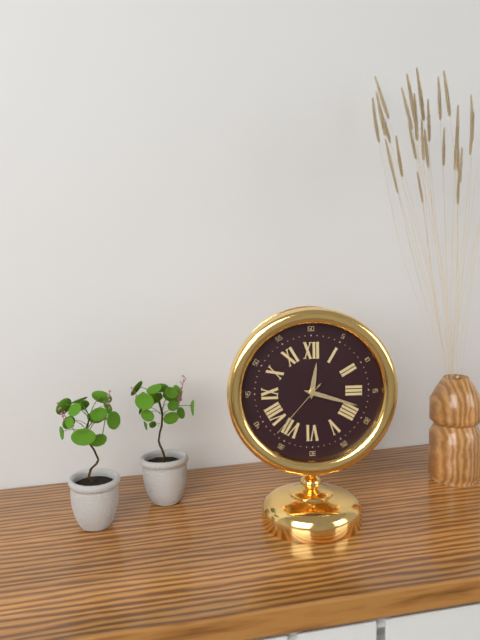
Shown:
**12:18:37**
